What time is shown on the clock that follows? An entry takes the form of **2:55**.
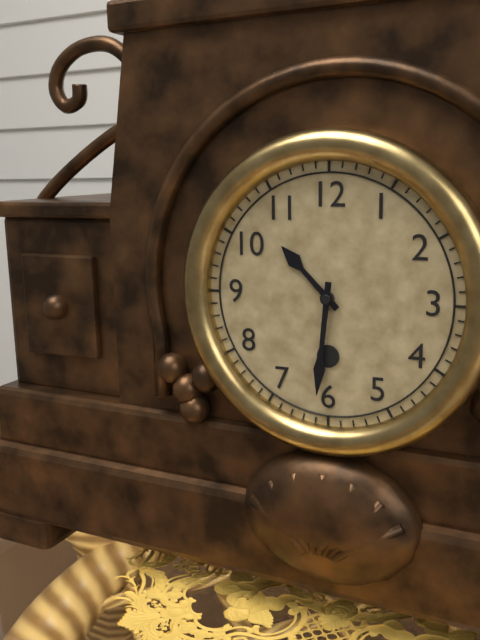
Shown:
**10:31**
